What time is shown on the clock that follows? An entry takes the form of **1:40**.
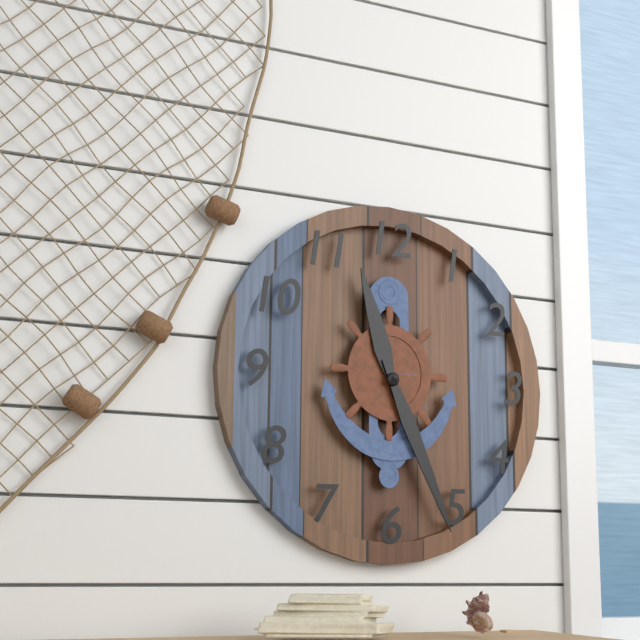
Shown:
**11:26**
